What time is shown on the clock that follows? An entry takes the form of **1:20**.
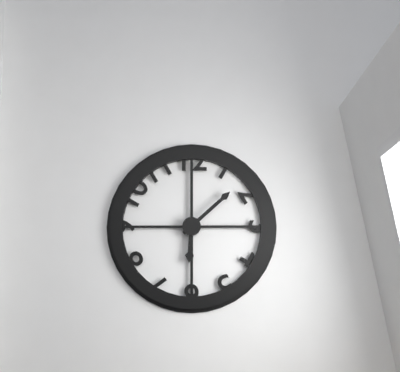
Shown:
**6:08**
